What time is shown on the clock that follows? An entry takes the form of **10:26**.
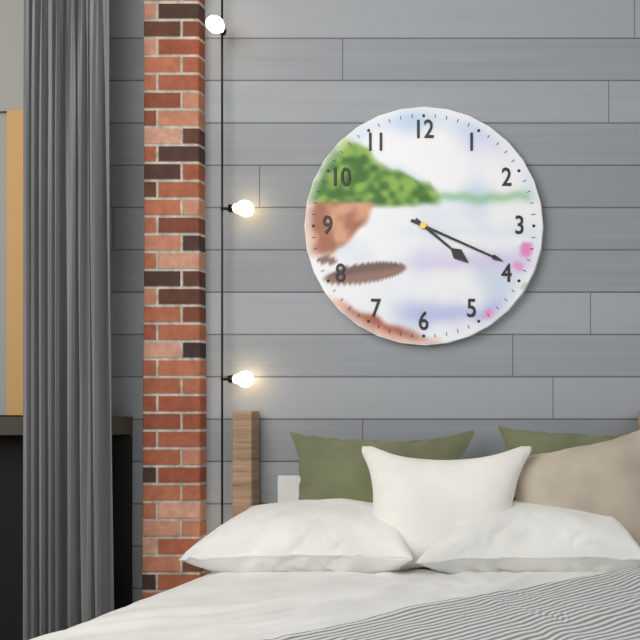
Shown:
**4:19**
